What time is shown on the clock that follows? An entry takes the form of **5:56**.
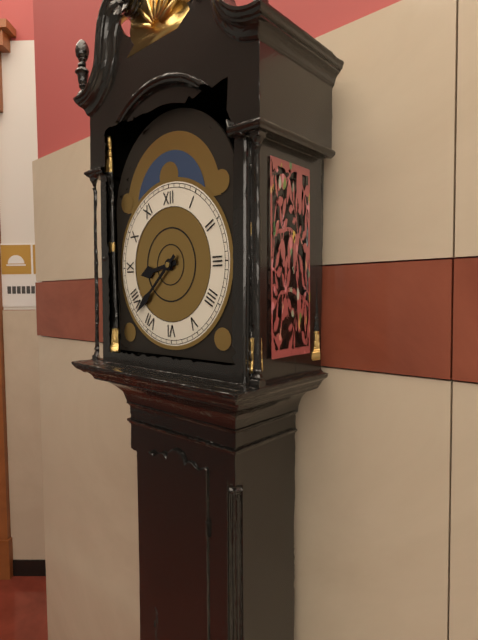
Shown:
**8:38**
